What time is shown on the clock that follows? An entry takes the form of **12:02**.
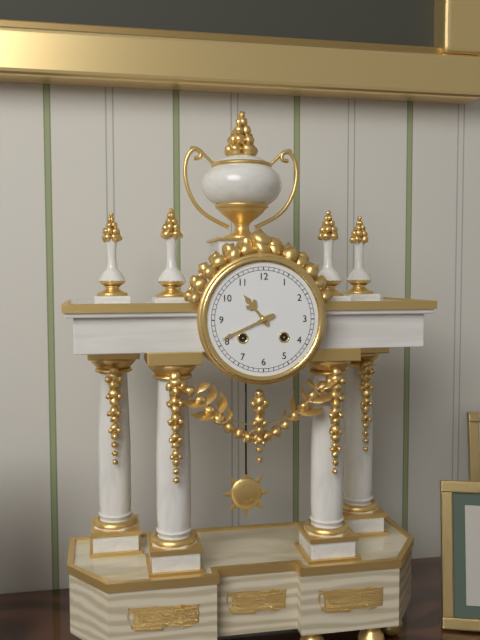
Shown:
**10:41**
